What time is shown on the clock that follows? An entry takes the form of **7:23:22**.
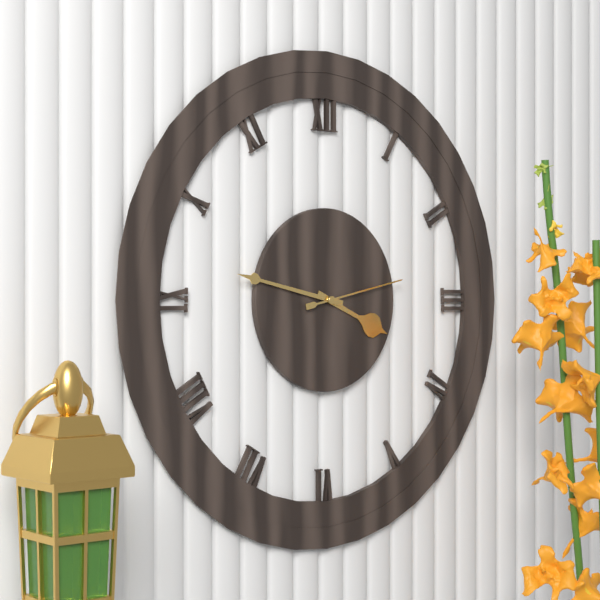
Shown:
**3:47:13**
